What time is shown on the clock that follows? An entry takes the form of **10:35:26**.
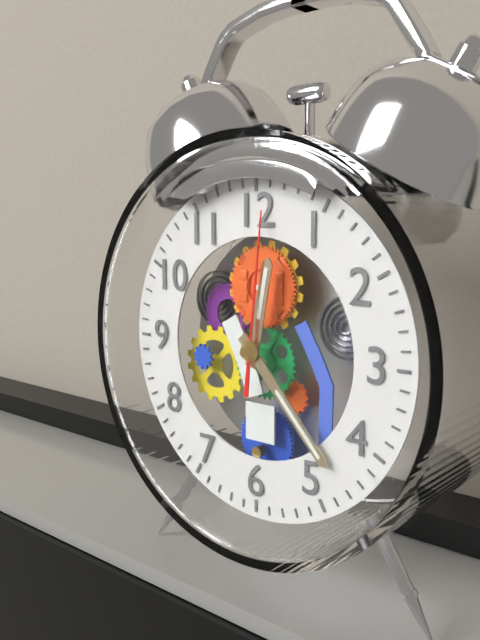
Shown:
**12:23:01**
